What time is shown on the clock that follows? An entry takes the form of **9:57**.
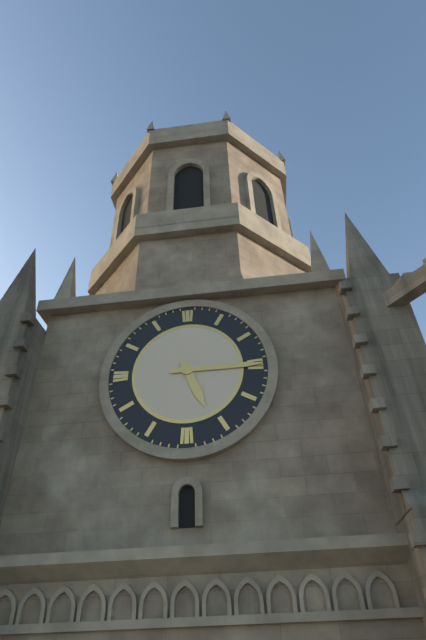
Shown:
**5:15**
